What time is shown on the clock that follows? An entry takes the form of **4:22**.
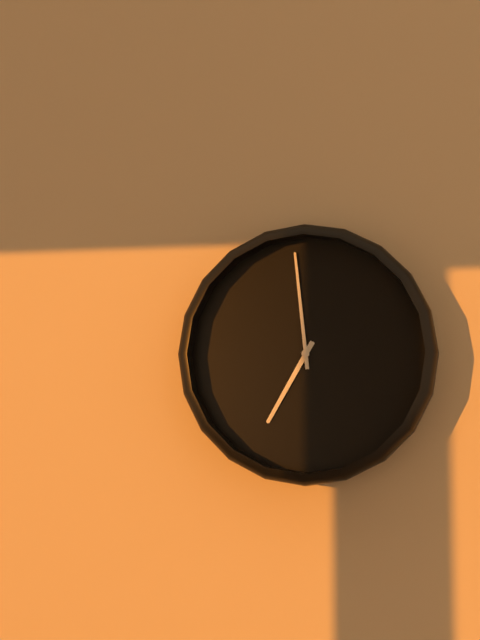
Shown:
**6:59**
